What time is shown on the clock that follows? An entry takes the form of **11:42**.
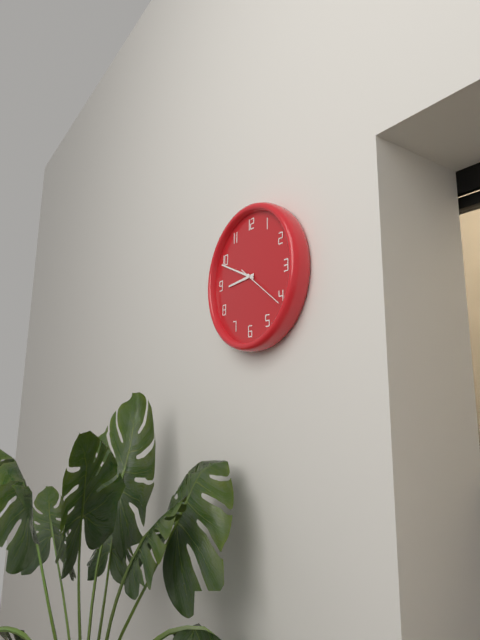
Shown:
**8:49**
